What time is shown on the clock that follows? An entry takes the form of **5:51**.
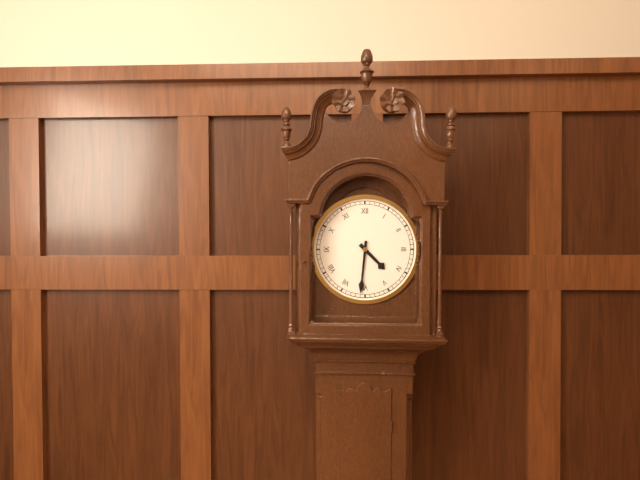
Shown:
**4:31**
